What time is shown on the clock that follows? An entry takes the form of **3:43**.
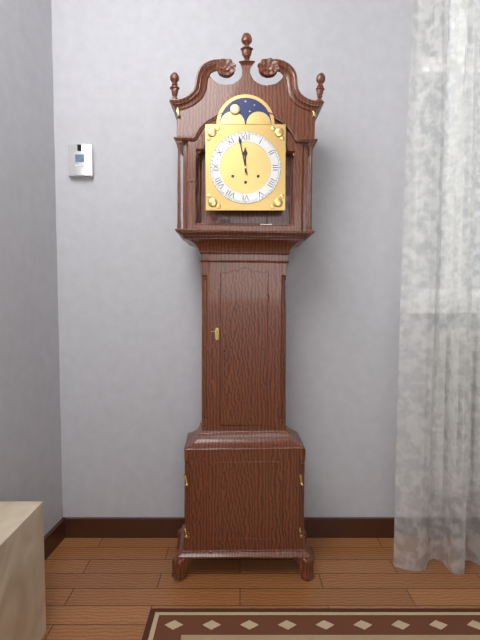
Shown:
**11:58**
